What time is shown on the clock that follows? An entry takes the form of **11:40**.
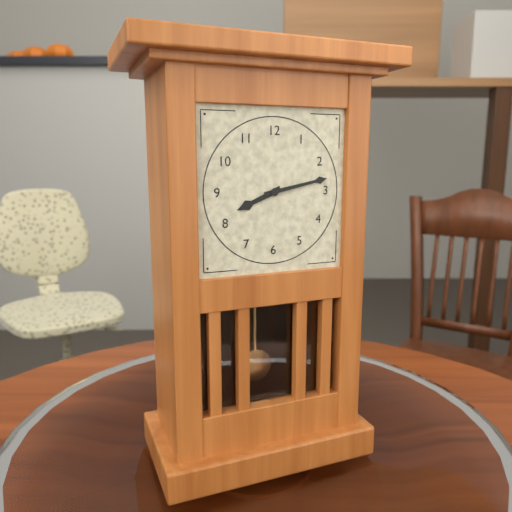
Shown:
**8:13**
